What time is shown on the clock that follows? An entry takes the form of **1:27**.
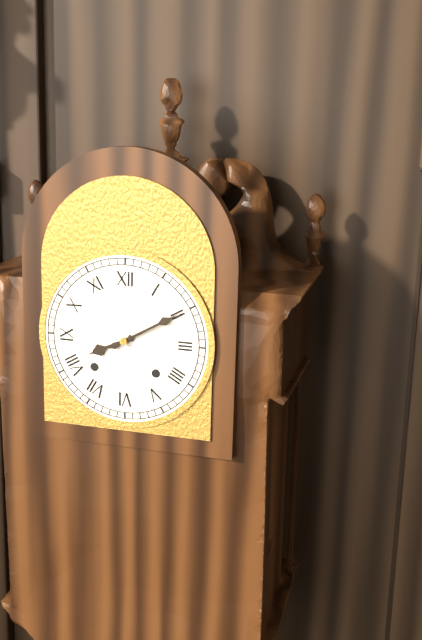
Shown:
**8:10**
